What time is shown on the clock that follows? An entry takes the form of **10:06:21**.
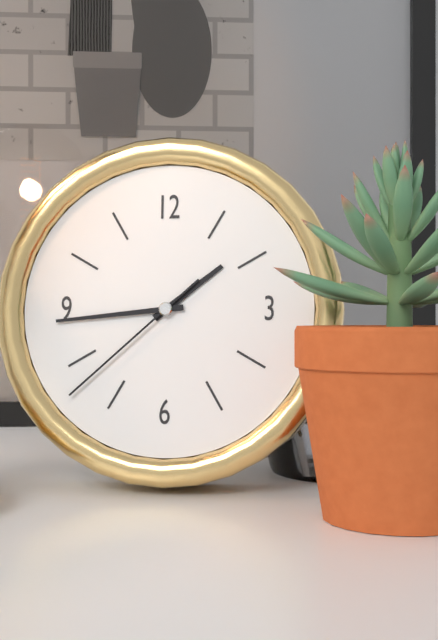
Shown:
**1:44:38**
